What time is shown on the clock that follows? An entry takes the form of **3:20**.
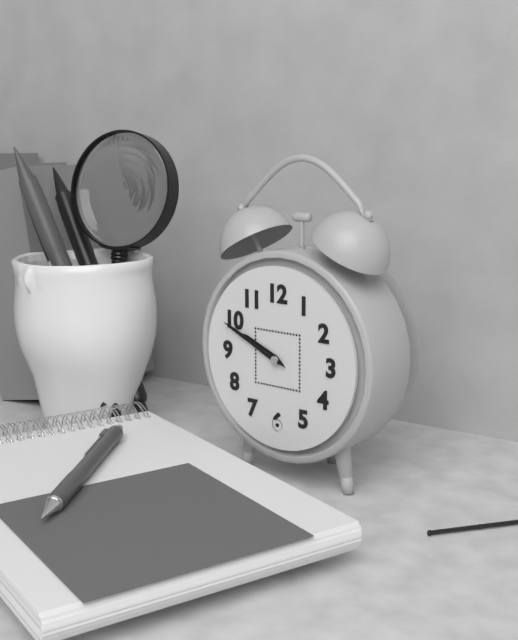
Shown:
**9:49**
